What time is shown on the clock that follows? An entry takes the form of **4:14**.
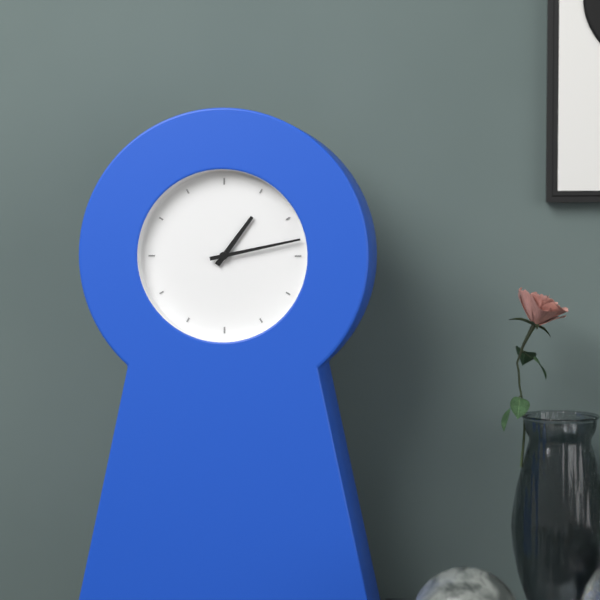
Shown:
**1:13**
